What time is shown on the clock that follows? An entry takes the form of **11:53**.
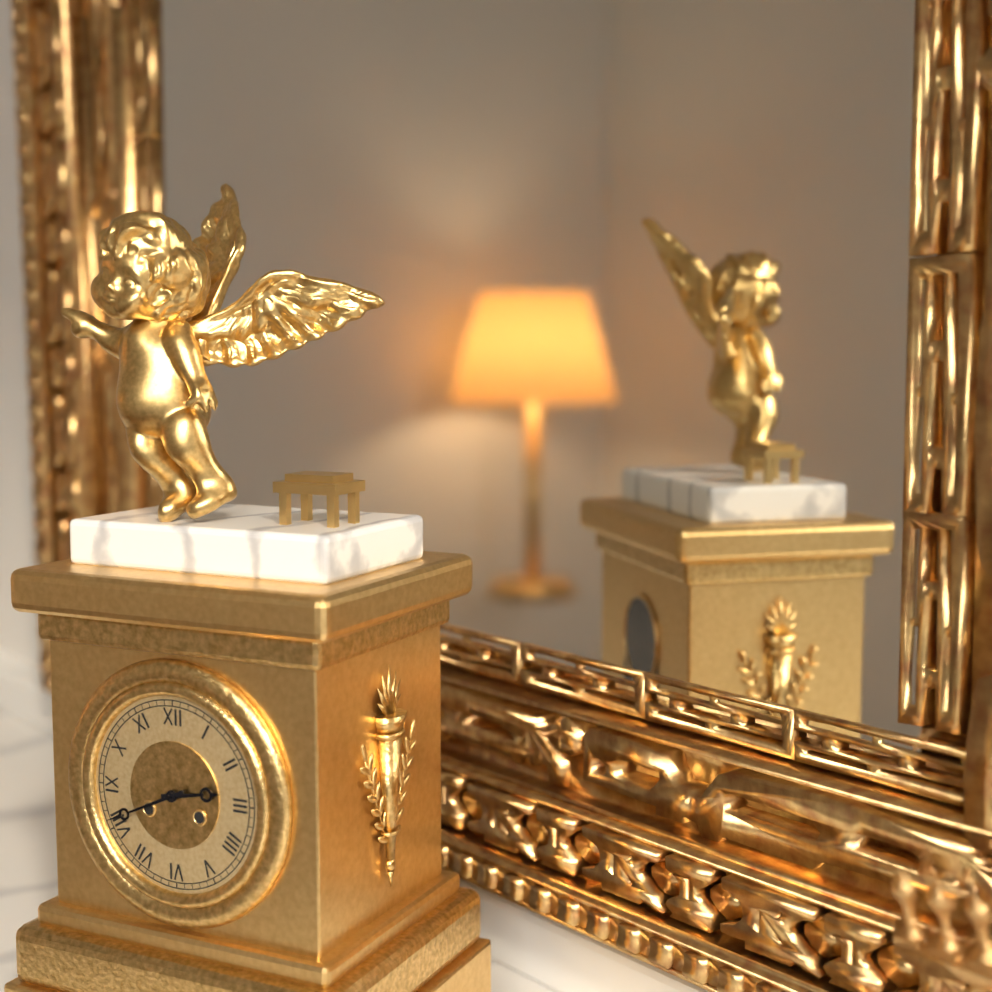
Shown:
**2:41**
